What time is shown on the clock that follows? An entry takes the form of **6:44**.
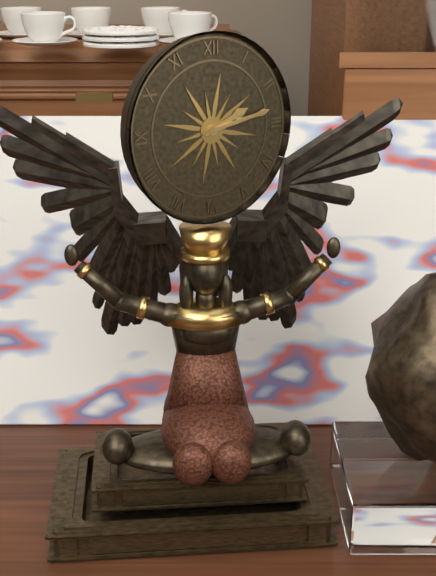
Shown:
**2:13**
